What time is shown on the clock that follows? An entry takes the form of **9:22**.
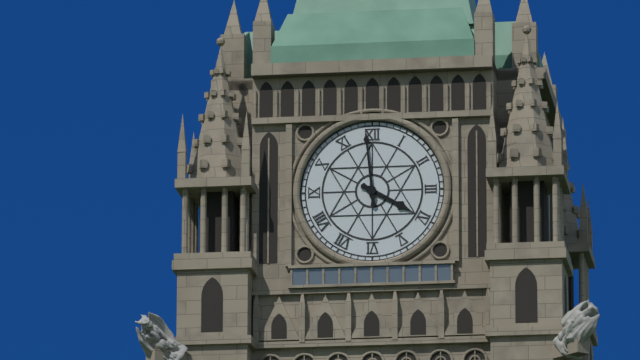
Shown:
**3:59**
